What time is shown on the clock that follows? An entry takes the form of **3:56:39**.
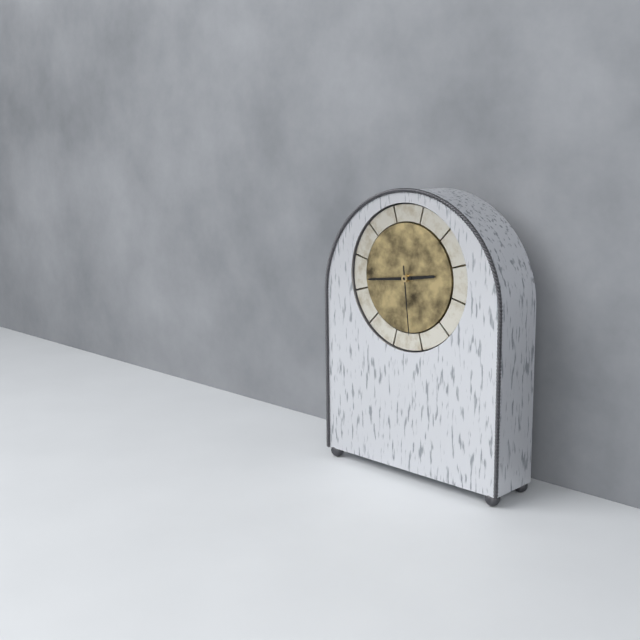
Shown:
**2:44:29**
